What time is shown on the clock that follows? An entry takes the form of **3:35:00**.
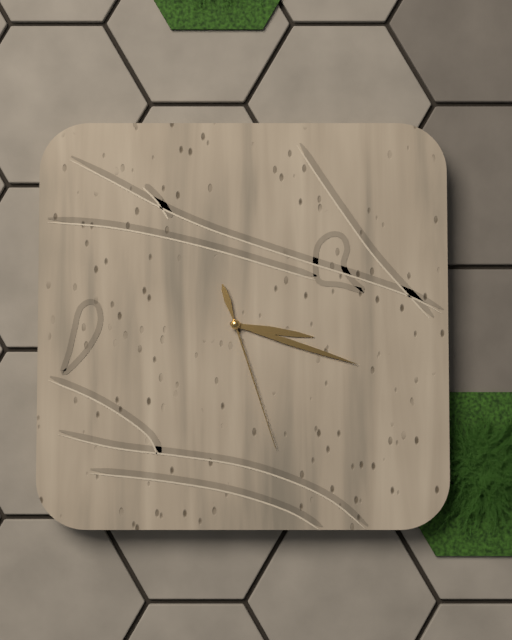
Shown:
**3:18:27**
